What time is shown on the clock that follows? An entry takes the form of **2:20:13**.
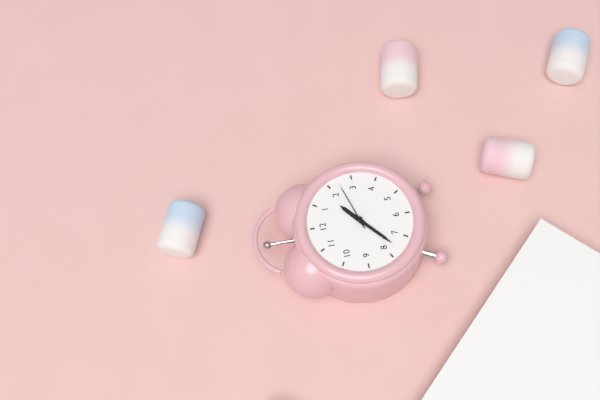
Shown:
**1:38:12**
